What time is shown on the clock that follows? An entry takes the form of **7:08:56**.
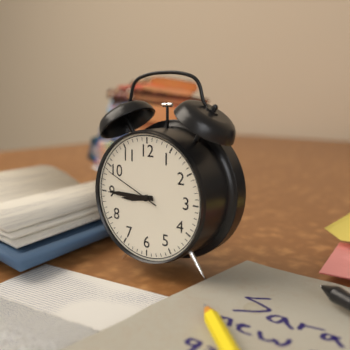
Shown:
**8:45:49**
